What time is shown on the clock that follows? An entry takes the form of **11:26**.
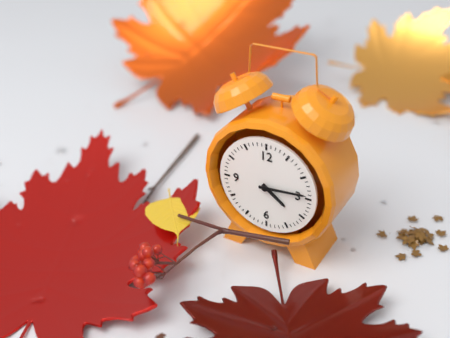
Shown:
**4:14**
